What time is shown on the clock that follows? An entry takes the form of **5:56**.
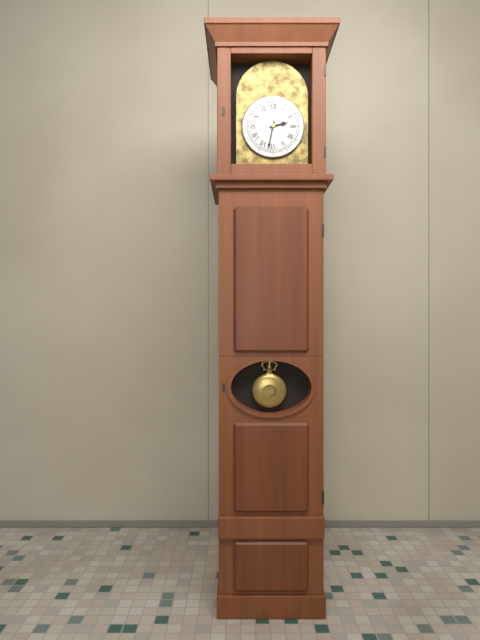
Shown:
**2:32**
